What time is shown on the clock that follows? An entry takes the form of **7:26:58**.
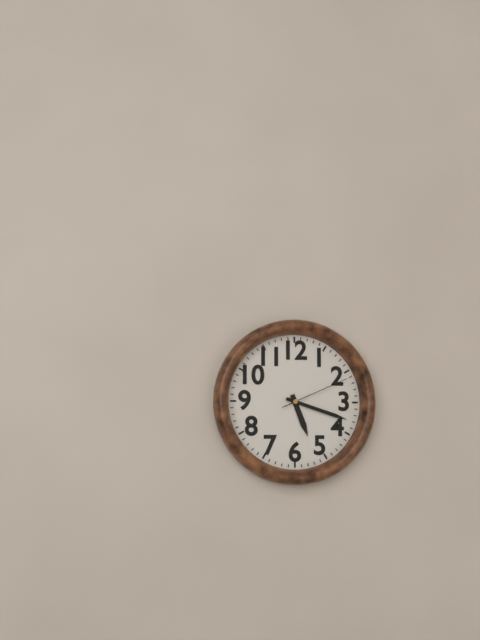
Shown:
**5:18:11**
